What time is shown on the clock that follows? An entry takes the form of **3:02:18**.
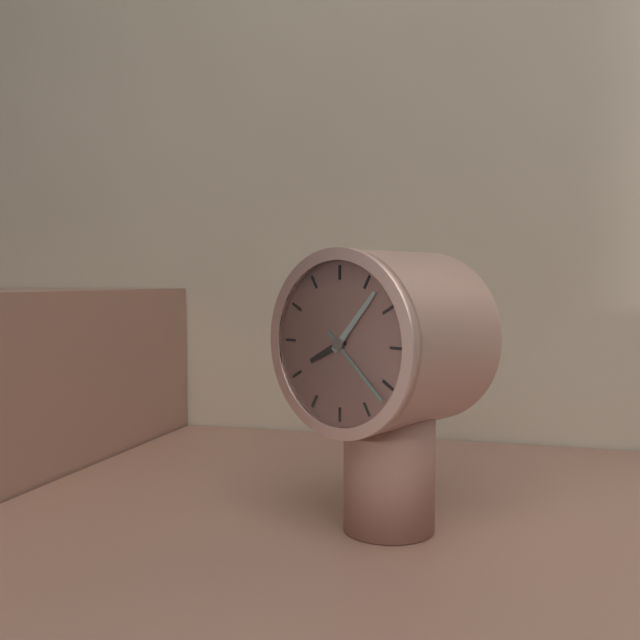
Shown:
**8:07:22**
